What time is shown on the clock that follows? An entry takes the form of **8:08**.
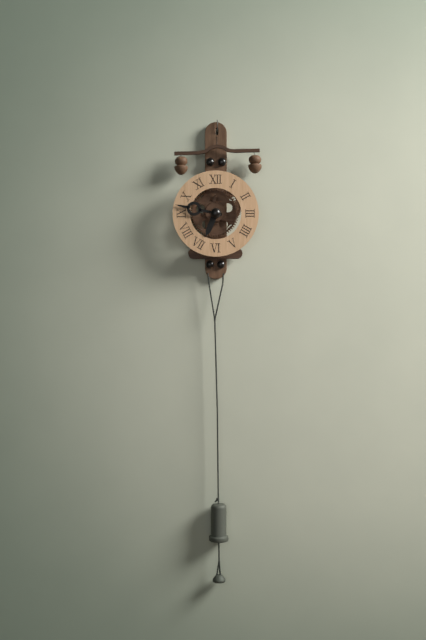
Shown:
**6:47**
